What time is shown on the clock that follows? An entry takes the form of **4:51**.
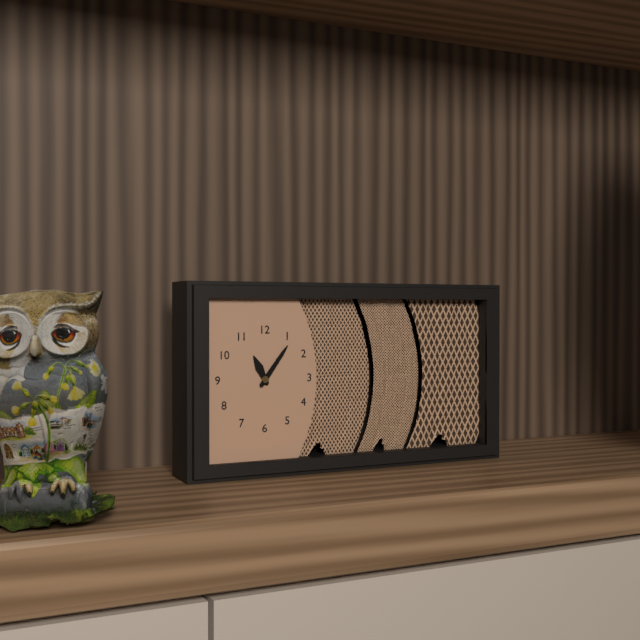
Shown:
**11:06**
